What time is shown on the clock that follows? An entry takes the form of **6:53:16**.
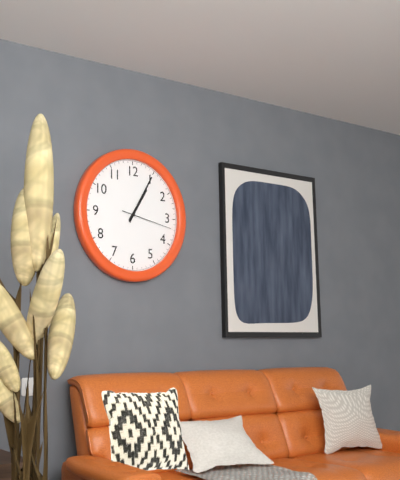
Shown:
**1:05:17**
